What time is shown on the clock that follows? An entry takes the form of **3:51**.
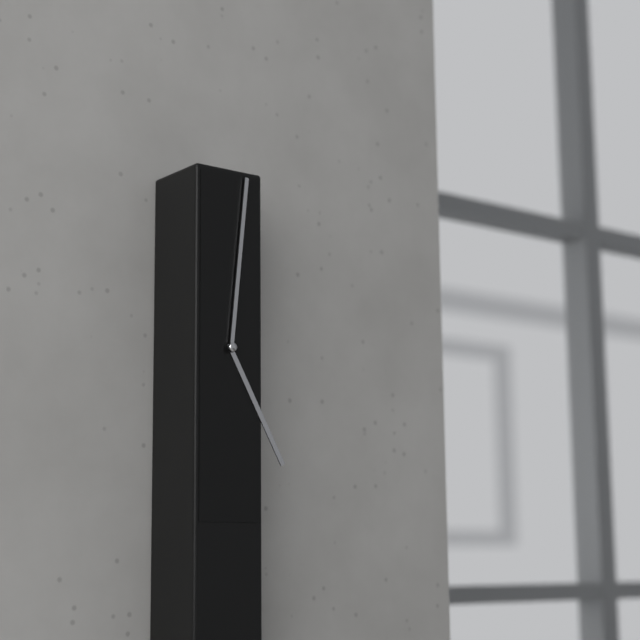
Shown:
**5:01**
